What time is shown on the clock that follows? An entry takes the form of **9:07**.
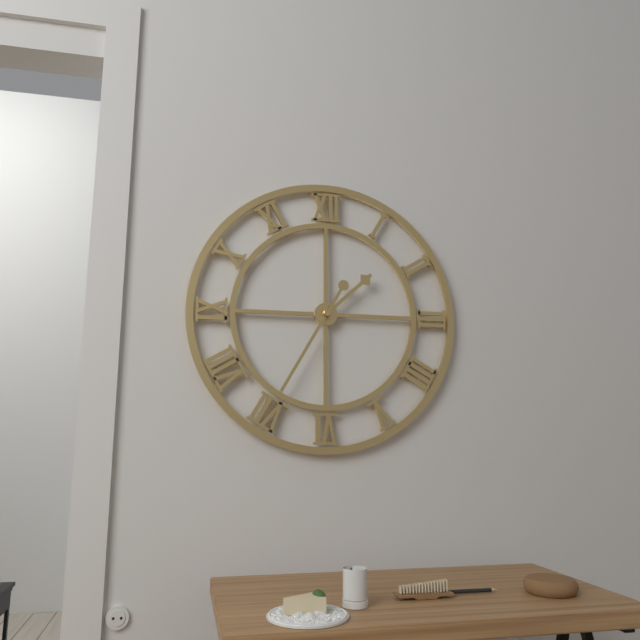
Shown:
**1:35**
